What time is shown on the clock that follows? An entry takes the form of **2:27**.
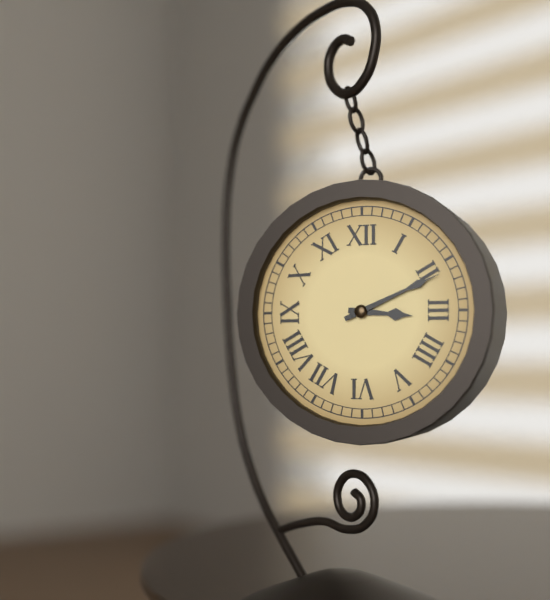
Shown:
**3:11**
